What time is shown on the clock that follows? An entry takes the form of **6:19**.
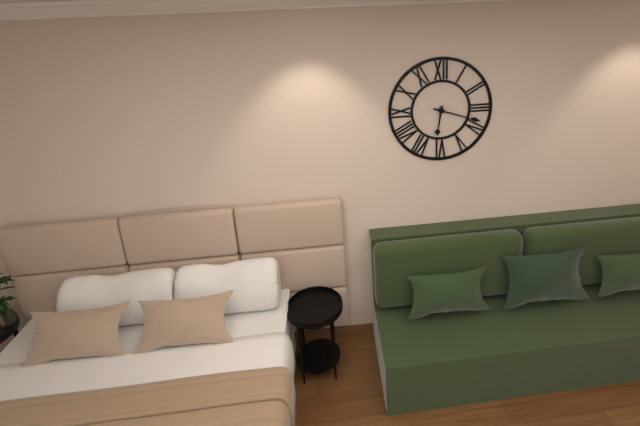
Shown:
**6:18**
